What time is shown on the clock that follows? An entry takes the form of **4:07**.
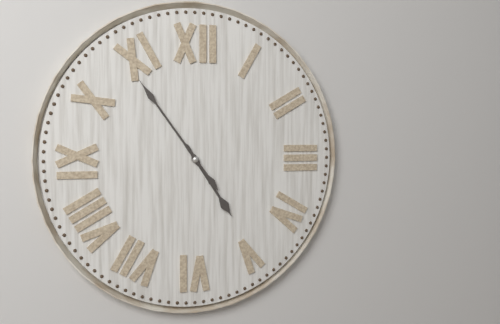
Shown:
**4:54**
